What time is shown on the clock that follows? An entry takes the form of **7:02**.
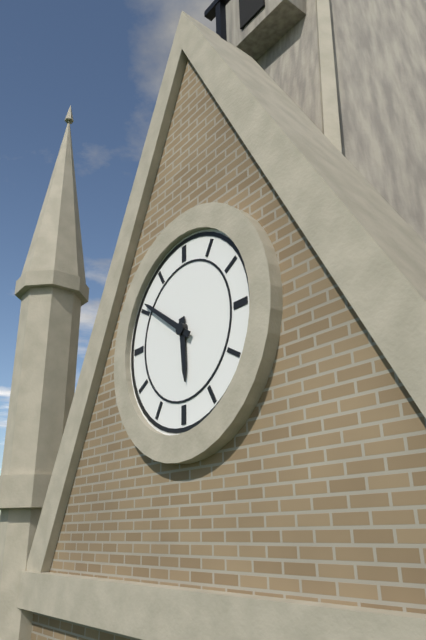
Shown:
**5:51**
